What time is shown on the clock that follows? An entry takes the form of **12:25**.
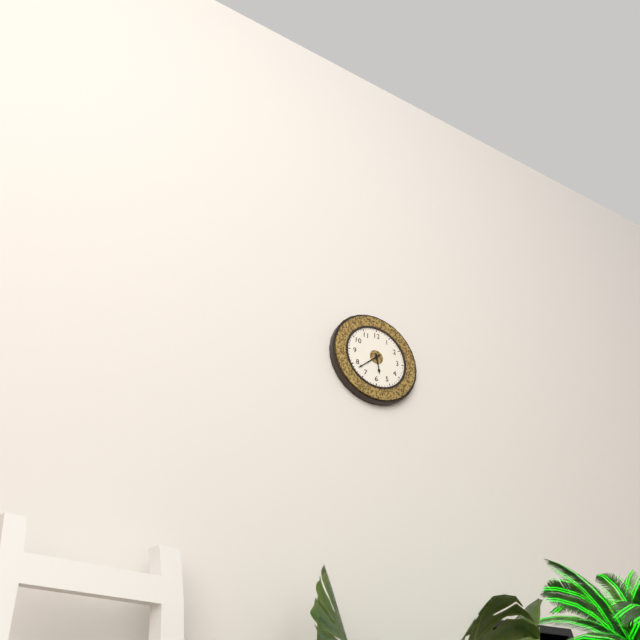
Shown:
**5:38**
